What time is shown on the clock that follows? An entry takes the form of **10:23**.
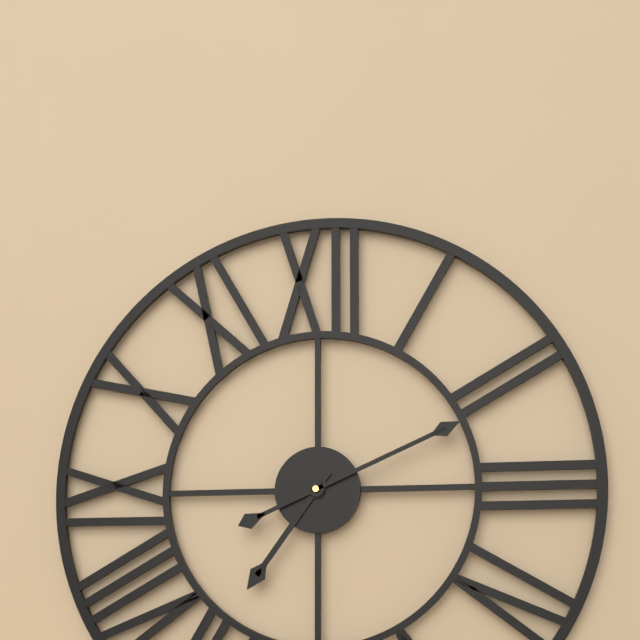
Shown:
**7:11**
